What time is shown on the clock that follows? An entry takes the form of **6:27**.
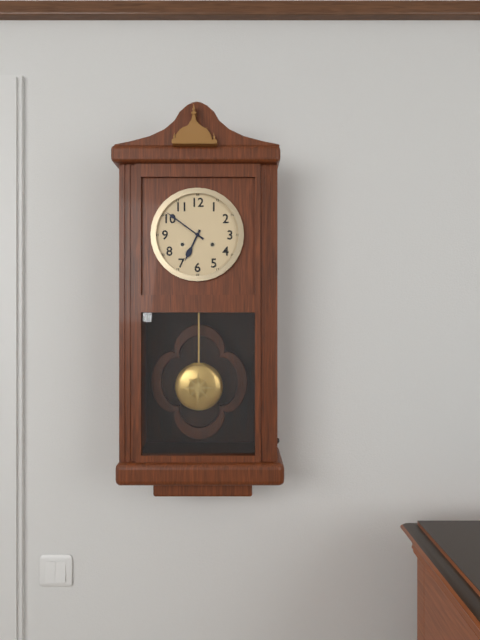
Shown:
**6:51**
